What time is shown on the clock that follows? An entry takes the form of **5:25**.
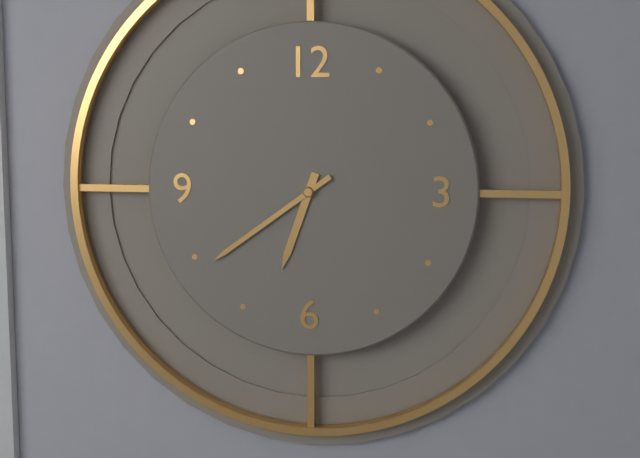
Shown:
**6:39**
